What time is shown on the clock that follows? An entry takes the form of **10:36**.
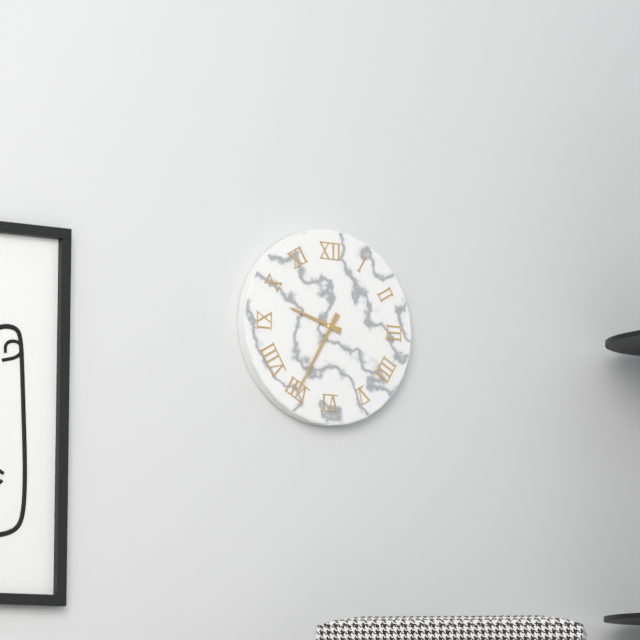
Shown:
**9:35**
